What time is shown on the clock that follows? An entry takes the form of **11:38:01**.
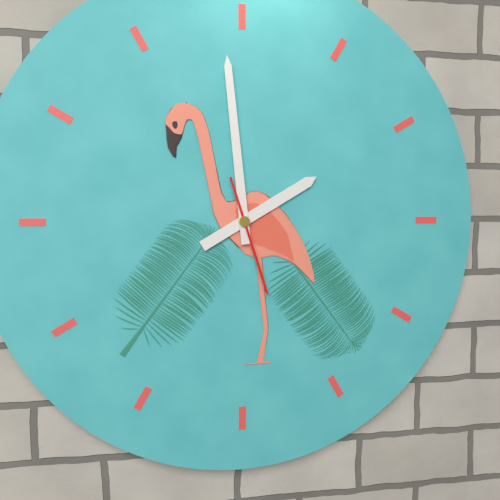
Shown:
**1:59:27**
